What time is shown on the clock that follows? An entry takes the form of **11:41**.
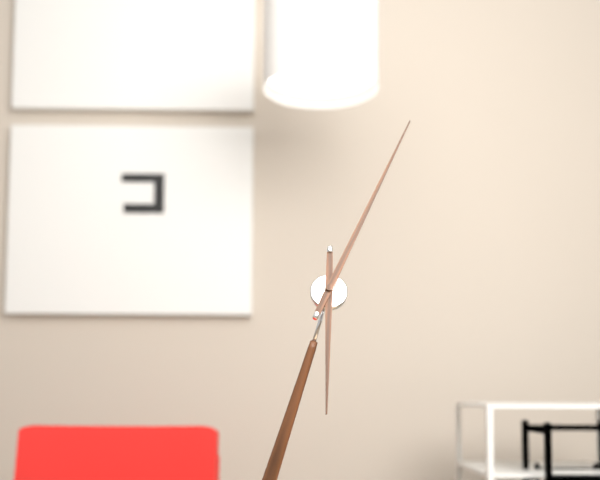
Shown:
**6:04**
